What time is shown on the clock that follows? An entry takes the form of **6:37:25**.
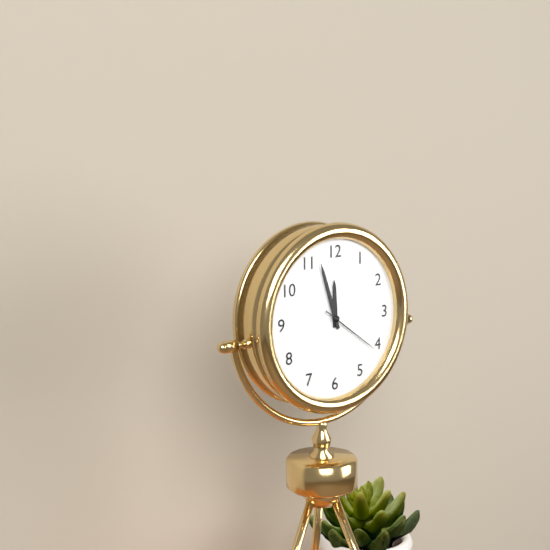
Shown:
**11:57:21**
